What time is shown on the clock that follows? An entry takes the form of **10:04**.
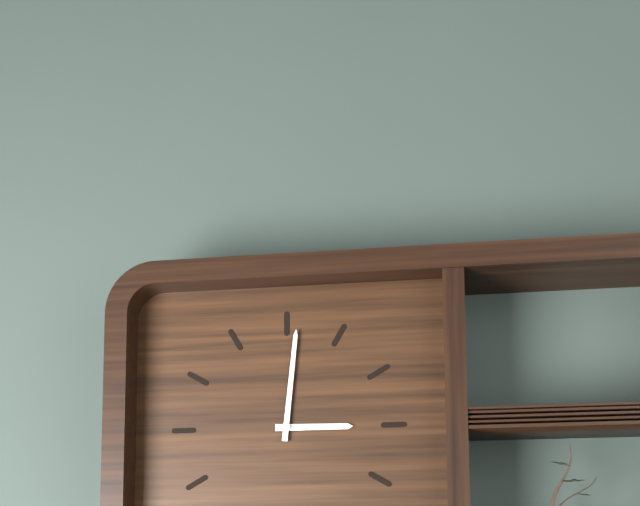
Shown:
**3:01**
